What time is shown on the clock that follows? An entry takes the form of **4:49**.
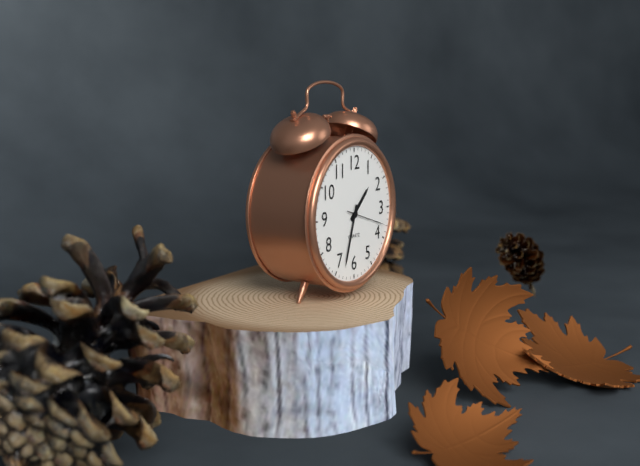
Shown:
**1:33**
